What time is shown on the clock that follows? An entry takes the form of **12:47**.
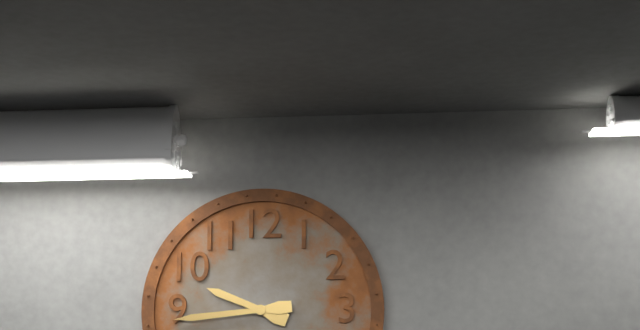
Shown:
**9:44**
